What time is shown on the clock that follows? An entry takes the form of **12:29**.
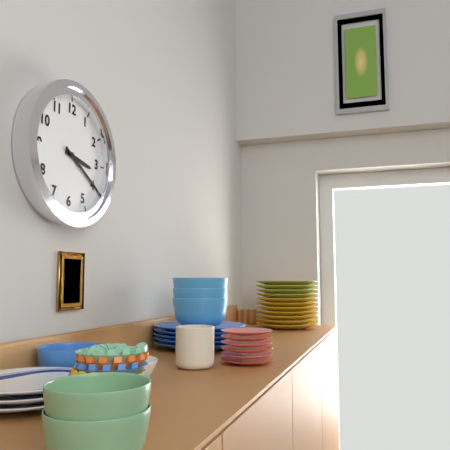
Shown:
**3:20**
